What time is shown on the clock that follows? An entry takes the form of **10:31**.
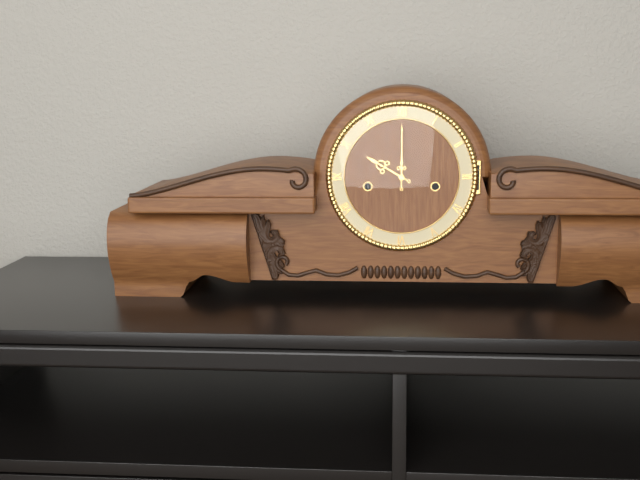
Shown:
**10:00**
